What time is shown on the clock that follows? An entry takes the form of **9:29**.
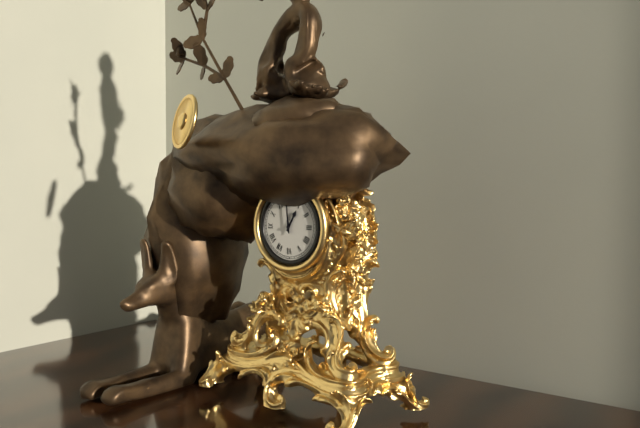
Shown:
**12:59**
